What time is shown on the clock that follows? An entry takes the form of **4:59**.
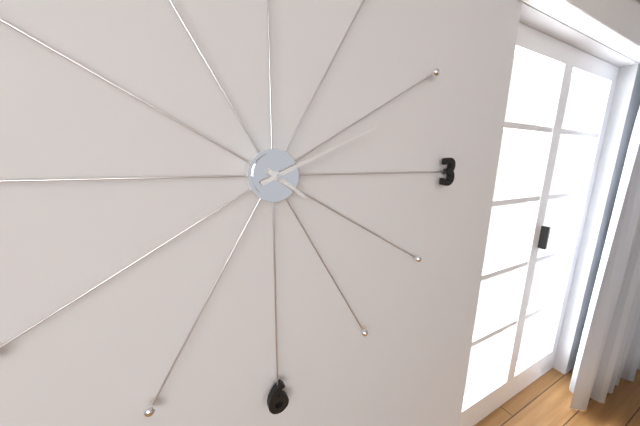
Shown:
**4:11**
